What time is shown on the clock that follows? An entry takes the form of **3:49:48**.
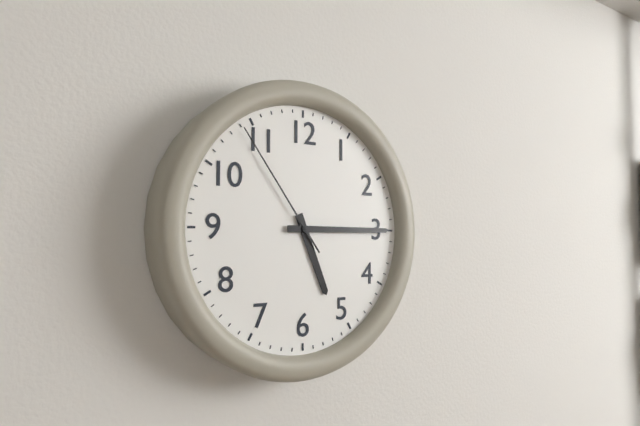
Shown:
**5:15:54**
